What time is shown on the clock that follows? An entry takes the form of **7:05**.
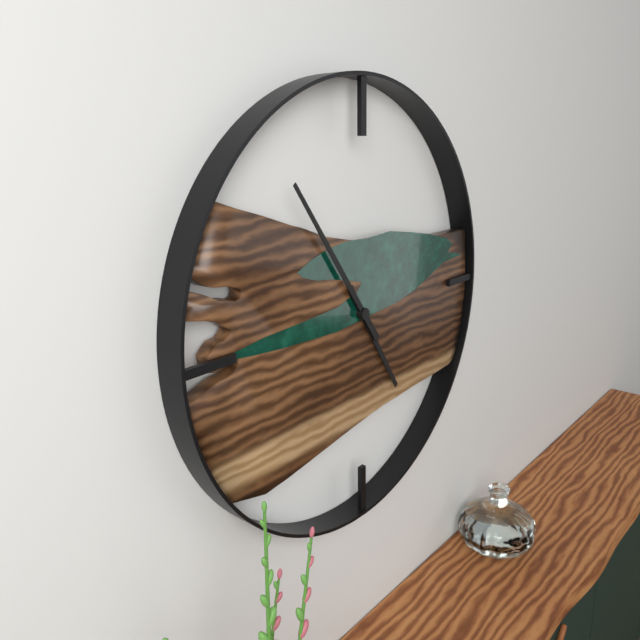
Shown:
**4:54**
